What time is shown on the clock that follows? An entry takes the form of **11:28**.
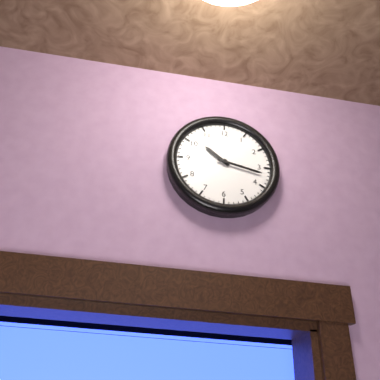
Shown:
**10:17**
